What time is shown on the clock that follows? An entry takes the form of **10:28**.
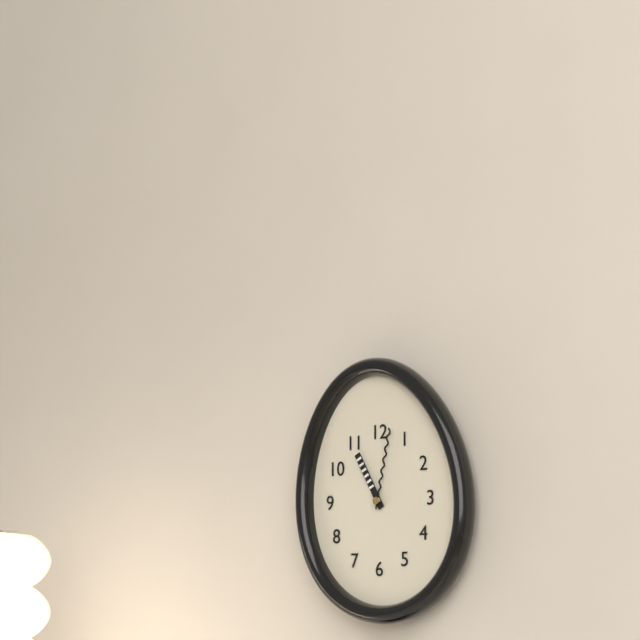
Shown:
**11:02**
